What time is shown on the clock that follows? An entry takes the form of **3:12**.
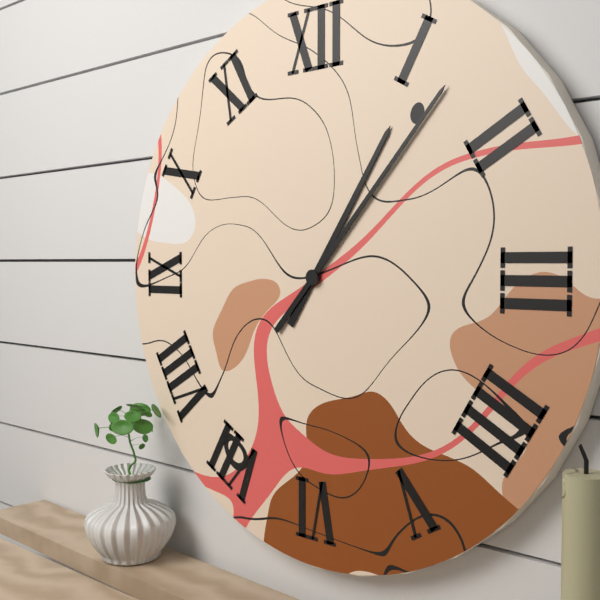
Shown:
**1:07**
